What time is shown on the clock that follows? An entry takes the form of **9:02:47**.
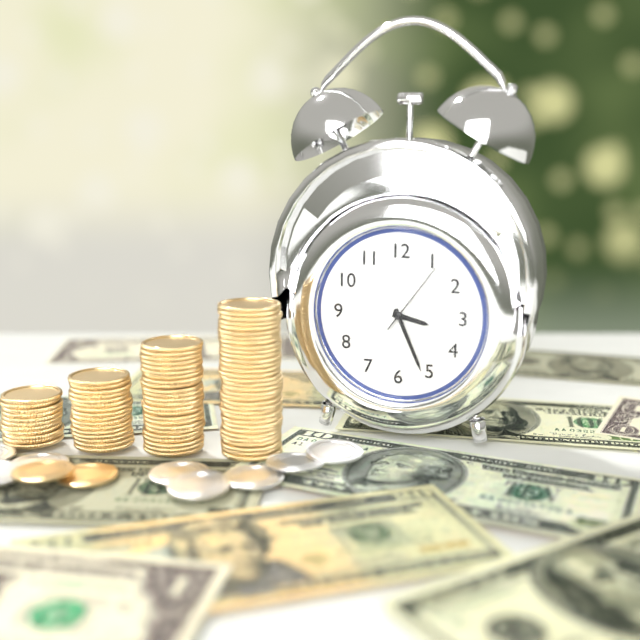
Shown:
**3:26:06**
